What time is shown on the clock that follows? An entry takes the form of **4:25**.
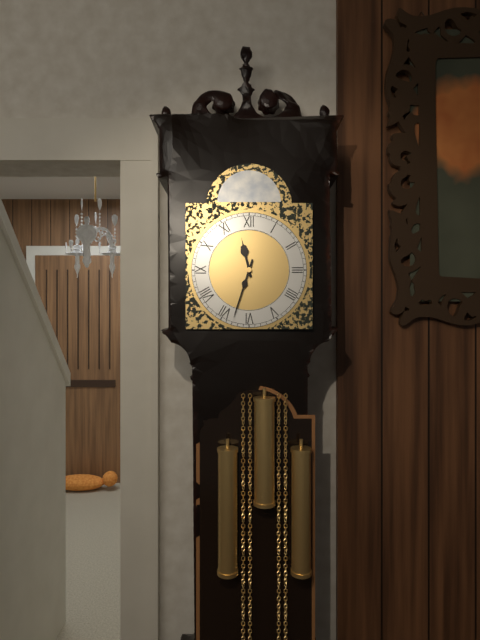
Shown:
**11:33**
